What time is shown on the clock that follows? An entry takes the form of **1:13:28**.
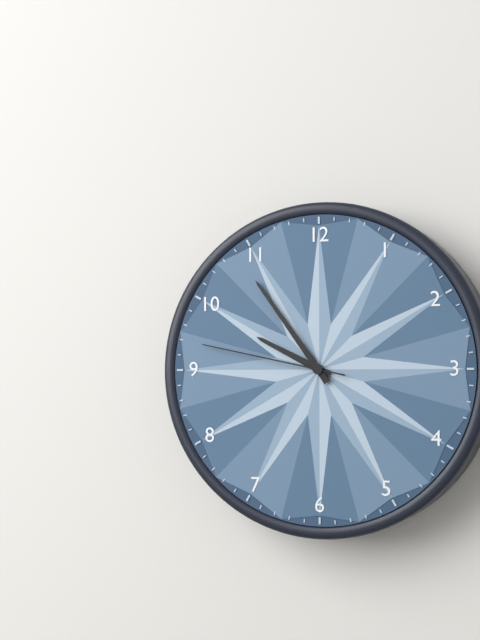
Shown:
**9:54:47**
